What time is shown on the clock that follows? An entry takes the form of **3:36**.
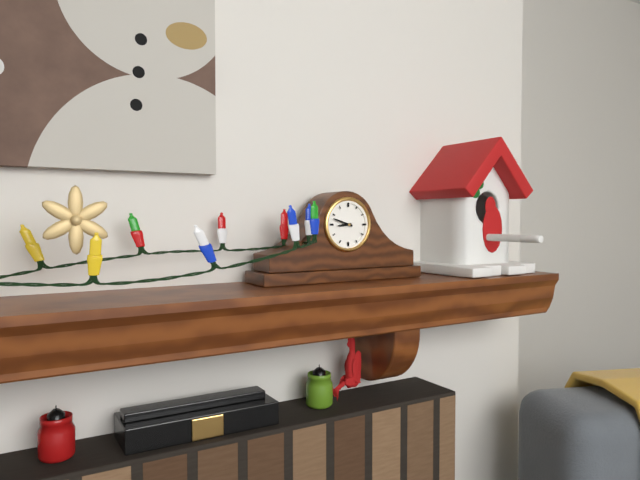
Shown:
**8:48**
